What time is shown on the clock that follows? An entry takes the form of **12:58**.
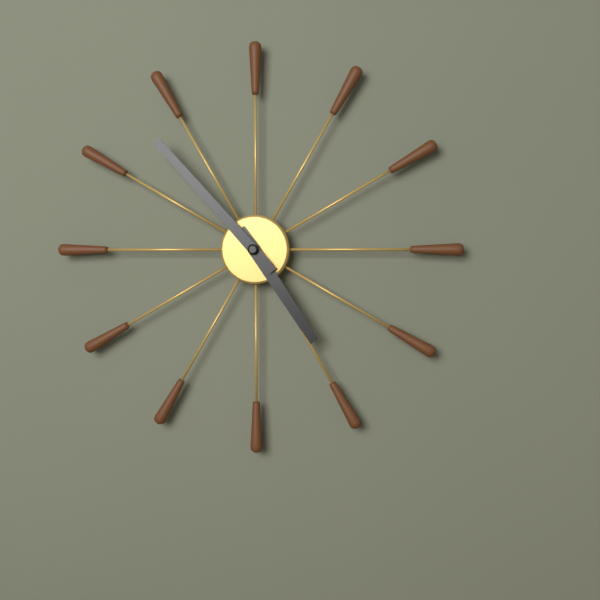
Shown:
**4:53**
